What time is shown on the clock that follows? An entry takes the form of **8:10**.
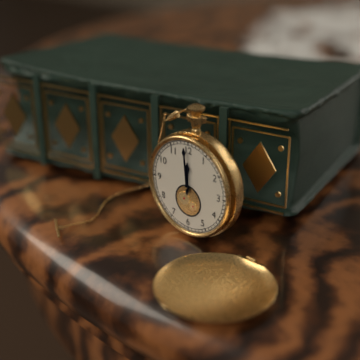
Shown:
**11:59**
